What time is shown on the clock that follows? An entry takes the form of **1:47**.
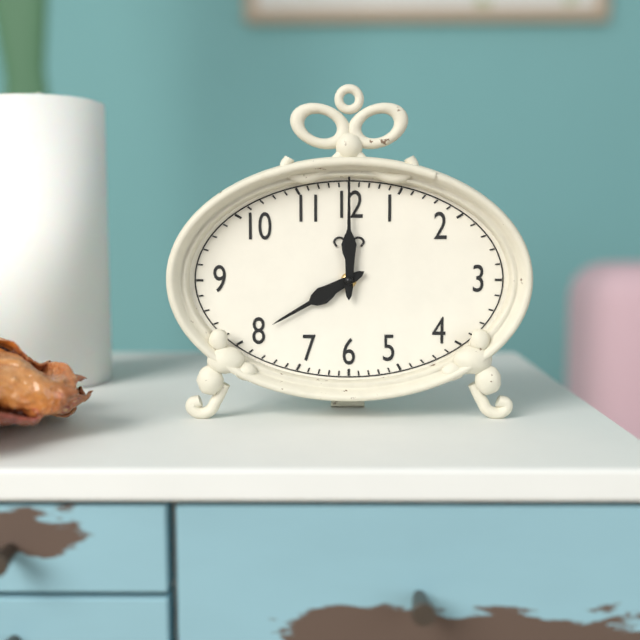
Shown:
**8:00**
